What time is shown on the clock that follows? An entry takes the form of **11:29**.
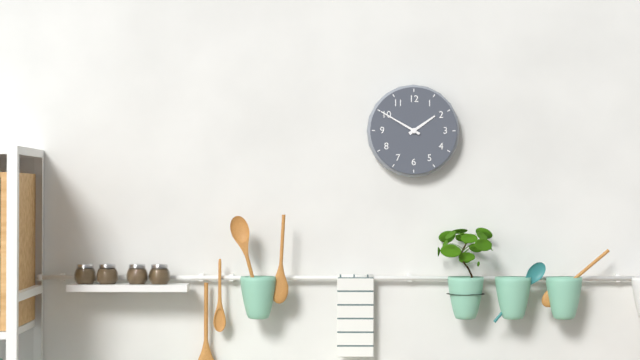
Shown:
**1:50**
